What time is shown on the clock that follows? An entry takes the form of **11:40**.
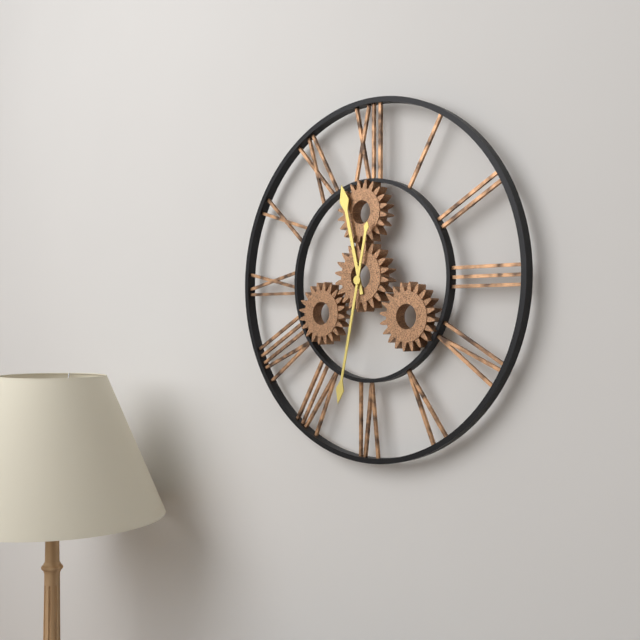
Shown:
**11:32**
